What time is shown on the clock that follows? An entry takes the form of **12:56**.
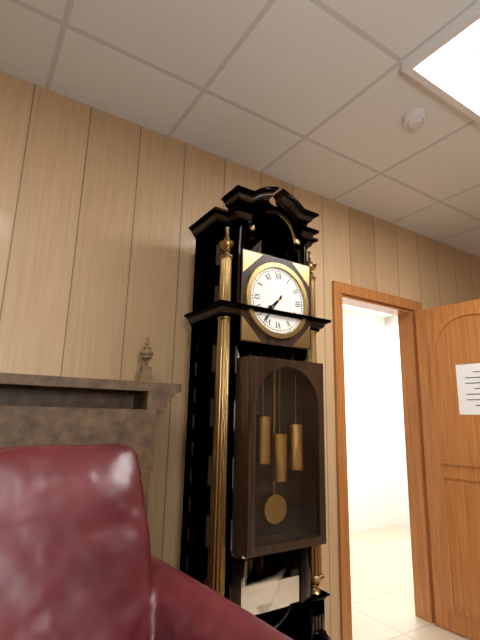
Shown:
**7:36**
